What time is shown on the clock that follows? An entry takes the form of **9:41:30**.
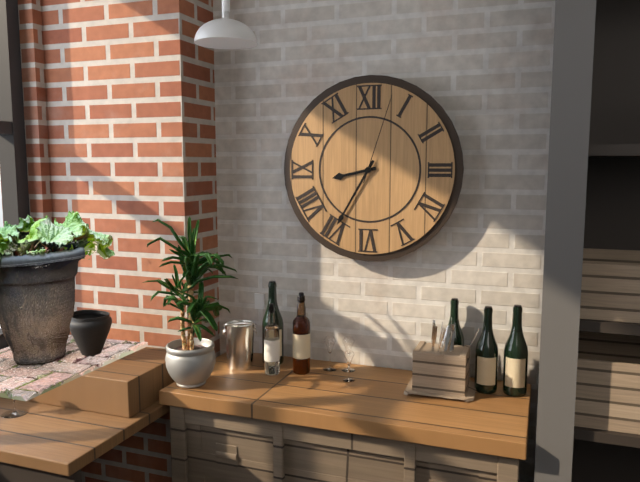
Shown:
**8:35:03**
